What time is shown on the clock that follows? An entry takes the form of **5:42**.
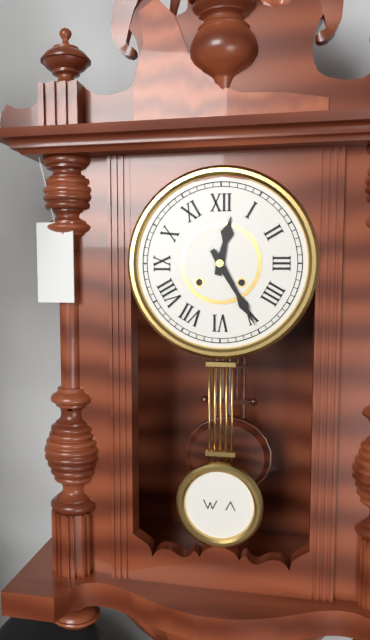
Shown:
**12:25**
